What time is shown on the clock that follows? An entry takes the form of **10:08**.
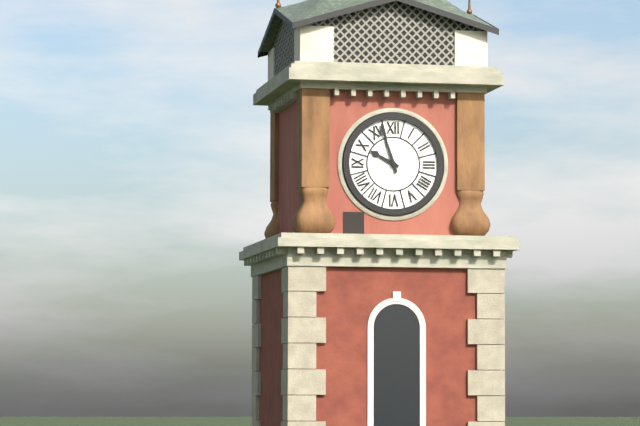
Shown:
**9:57**
